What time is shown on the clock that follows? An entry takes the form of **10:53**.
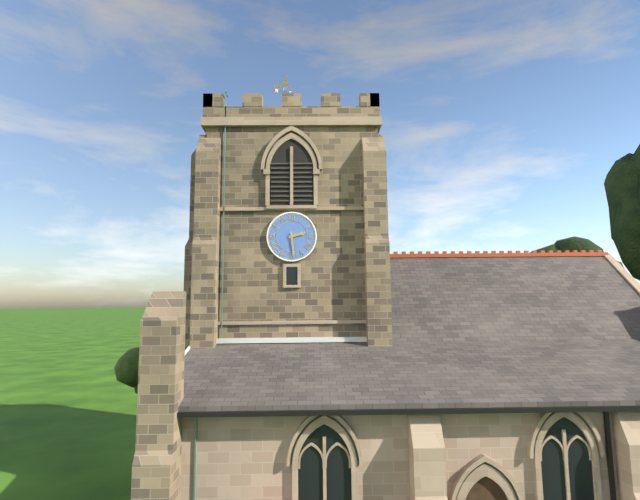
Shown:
**2:29**
